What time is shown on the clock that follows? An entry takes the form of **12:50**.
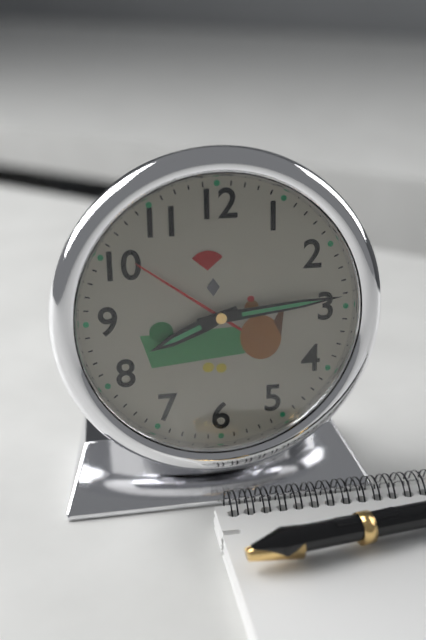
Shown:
**8:14**
